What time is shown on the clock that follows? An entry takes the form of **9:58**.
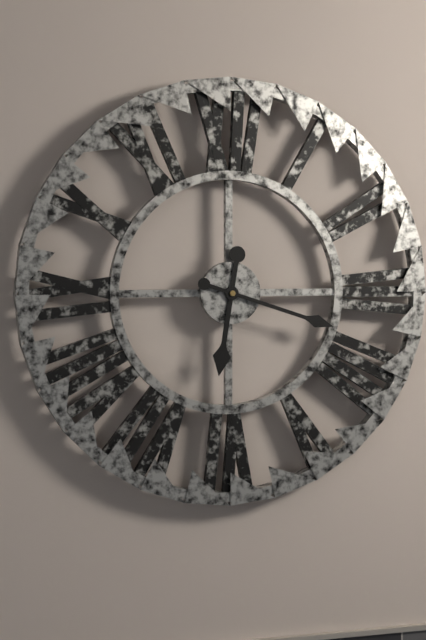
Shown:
**6:18**
